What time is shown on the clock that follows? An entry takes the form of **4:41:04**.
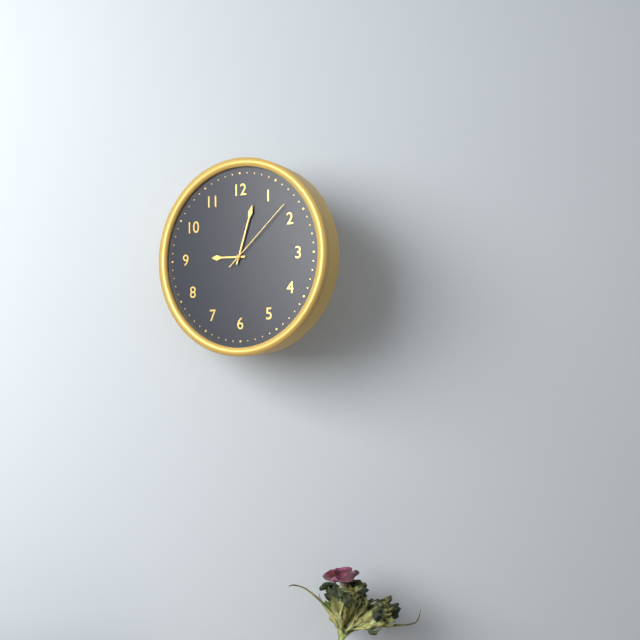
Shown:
**9:03:08**
